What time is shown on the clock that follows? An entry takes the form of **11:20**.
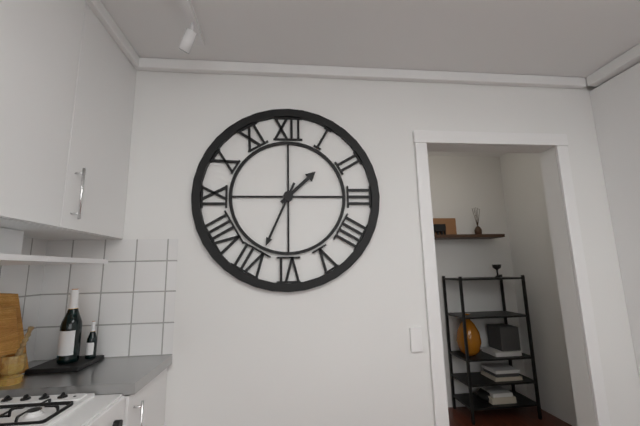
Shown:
**1:34**
